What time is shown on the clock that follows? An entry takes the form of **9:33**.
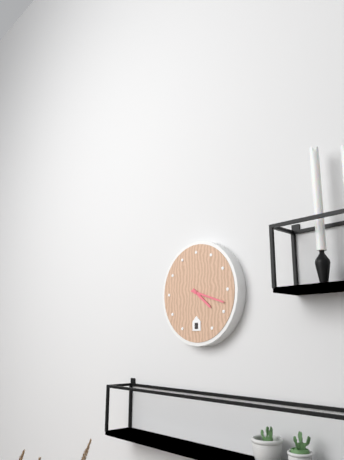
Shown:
**4:18**
